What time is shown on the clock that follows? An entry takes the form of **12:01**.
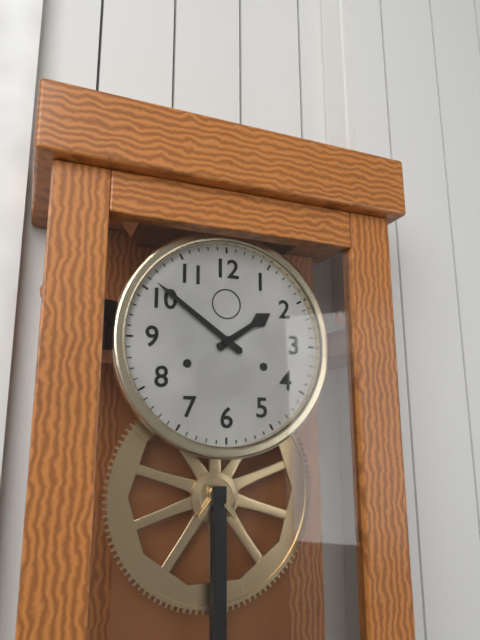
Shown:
**1:51**
